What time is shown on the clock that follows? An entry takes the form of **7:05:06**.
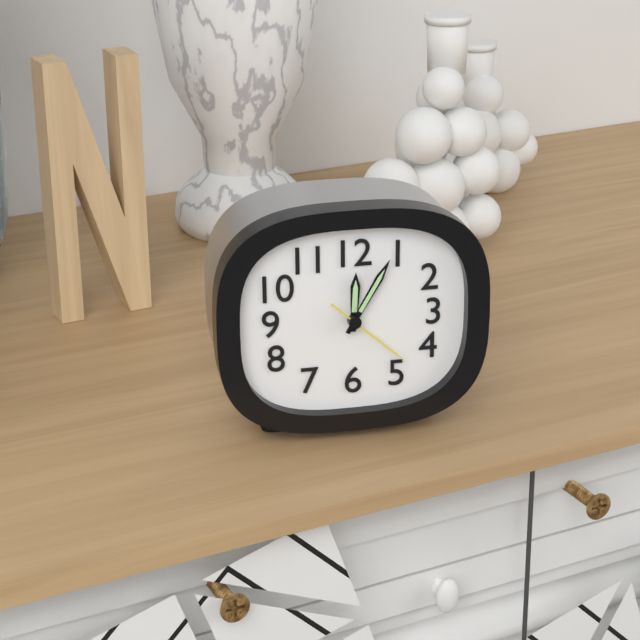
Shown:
**12:05:22**
